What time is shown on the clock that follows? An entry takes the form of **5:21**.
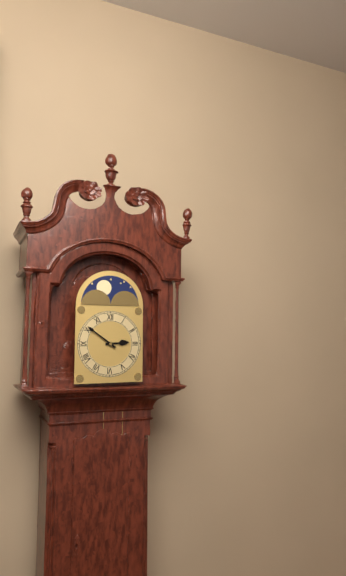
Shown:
**2:51**
